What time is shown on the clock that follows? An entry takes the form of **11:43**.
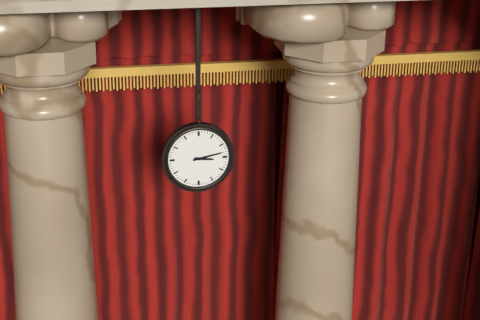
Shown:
**3:13**
